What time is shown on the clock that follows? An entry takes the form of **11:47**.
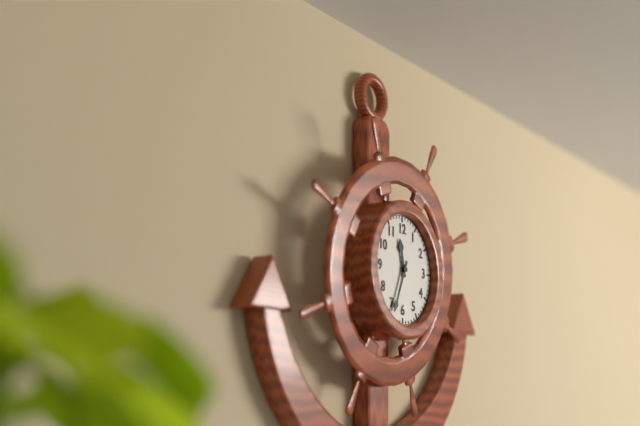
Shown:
**11:34**
